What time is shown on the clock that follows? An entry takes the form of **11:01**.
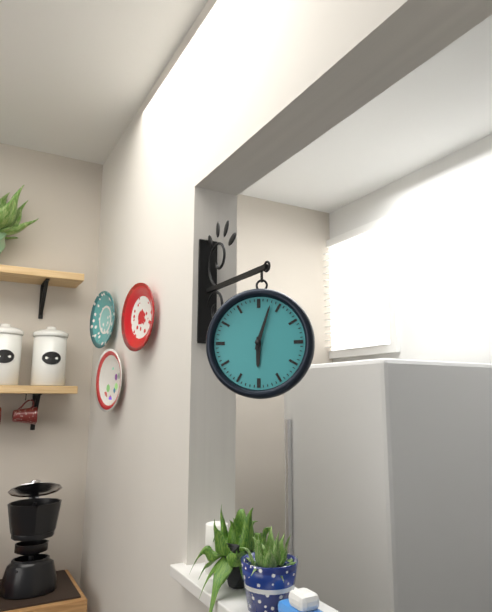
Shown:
**6:03**
